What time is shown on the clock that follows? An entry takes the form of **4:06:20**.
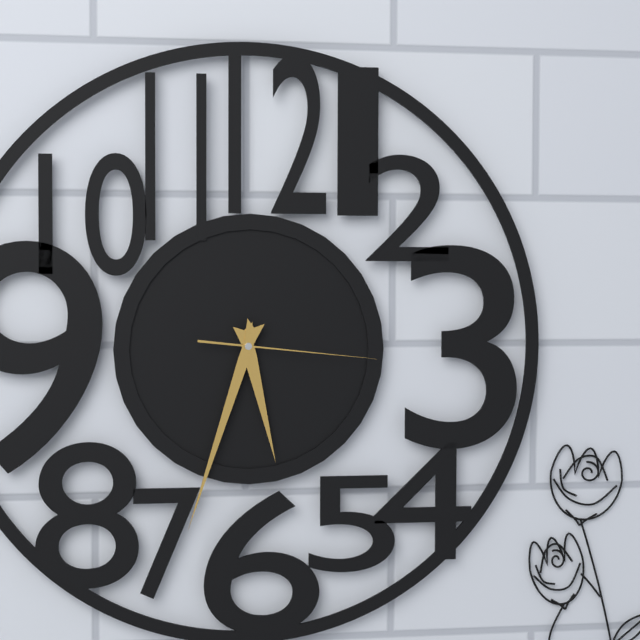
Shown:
**5:33:16**
